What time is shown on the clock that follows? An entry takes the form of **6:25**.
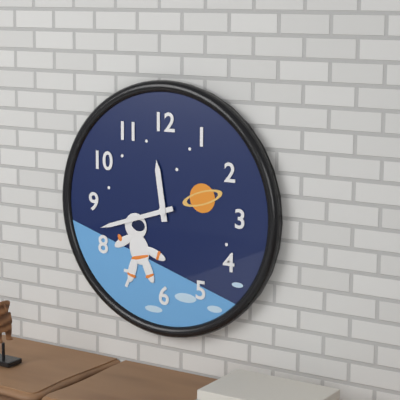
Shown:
**11:42**
